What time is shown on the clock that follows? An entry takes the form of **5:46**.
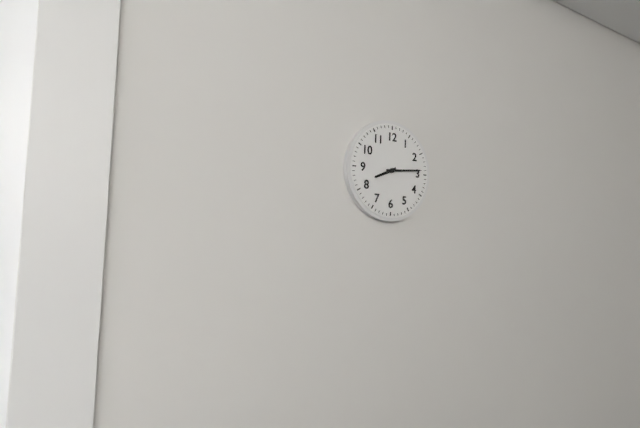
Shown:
**8:14**
